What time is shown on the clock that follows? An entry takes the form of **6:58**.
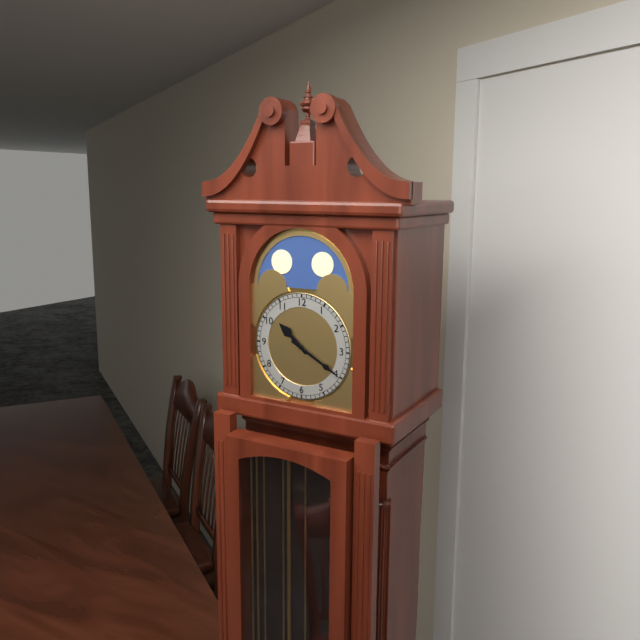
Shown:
**10:20**
